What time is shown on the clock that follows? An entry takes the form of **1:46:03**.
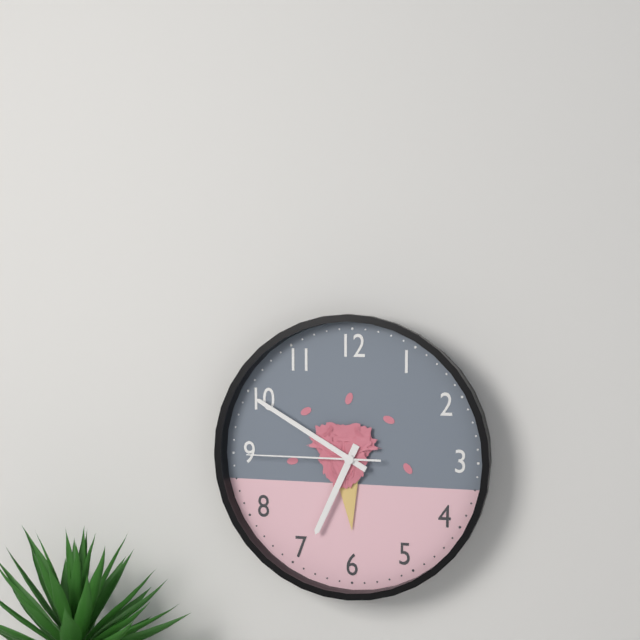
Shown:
**6:50:45**
